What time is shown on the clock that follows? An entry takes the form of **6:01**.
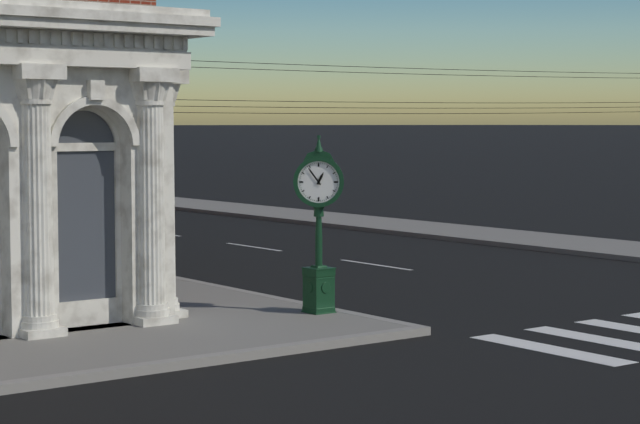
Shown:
**12:54**
